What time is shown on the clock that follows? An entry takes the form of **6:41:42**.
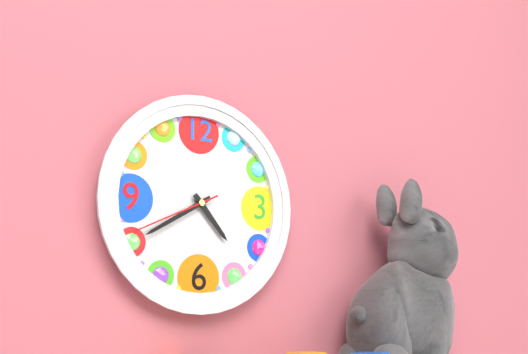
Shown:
**4:40:41**
